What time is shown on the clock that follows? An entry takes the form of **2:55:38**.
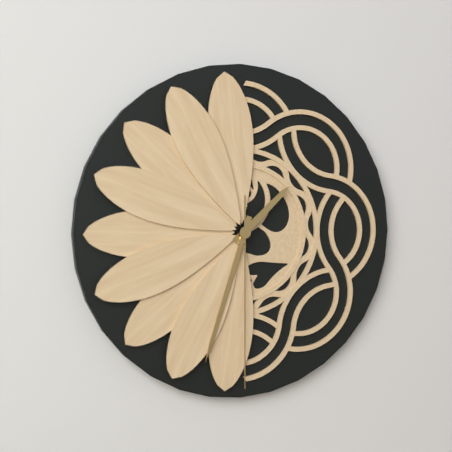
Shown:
**1:33:30**
